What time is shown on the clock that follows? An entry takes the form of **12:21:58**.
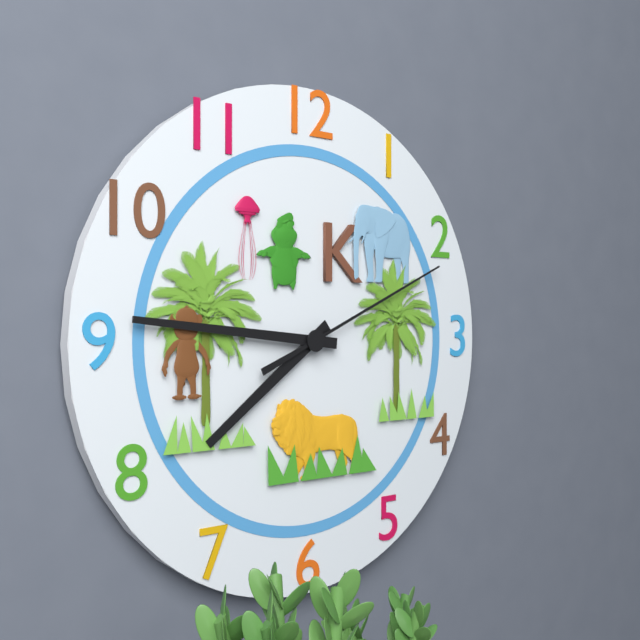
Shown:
**7:46:11**
